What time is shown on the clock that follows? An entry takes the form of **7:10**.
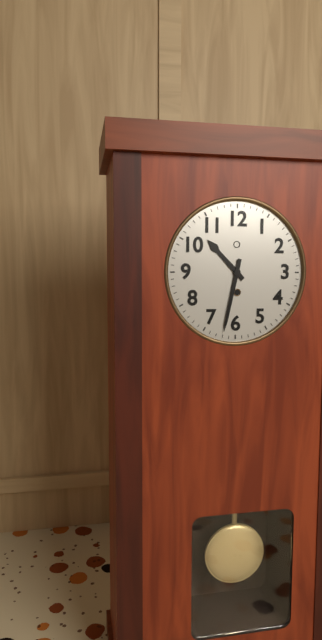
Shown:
**10:32**
